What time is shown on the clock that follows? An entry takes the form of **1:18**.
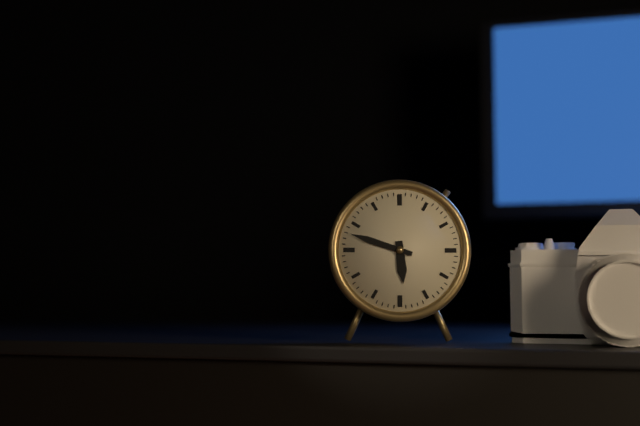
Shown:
**5:48**
